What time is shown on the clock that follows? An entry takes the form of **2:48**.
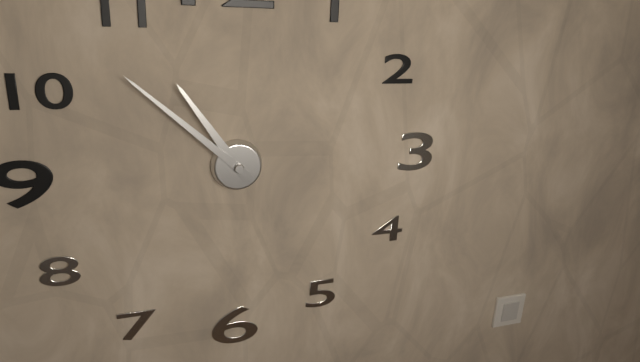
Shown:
**10:52**
